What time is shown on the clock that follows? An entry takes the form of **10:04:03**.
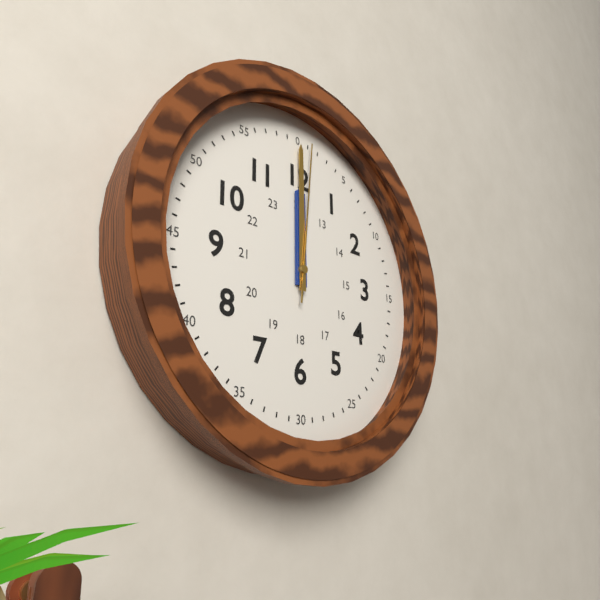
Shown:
**12:00:01**
